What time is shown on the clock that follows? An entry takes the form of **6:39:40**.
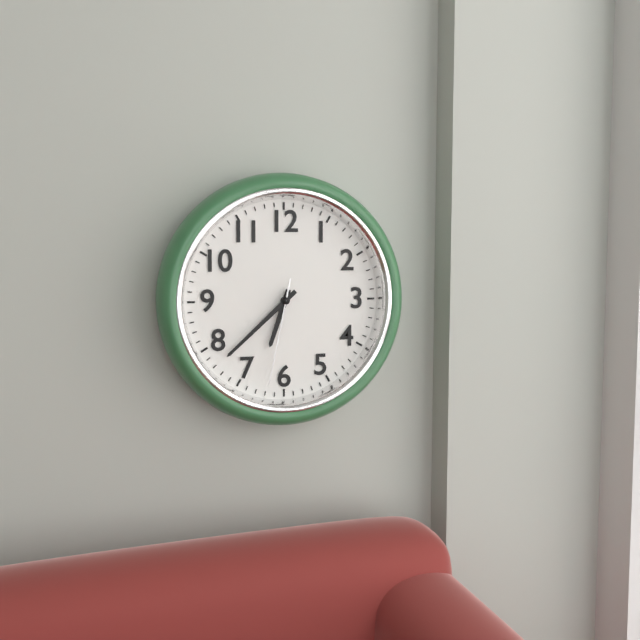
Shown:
**6:38:32**
